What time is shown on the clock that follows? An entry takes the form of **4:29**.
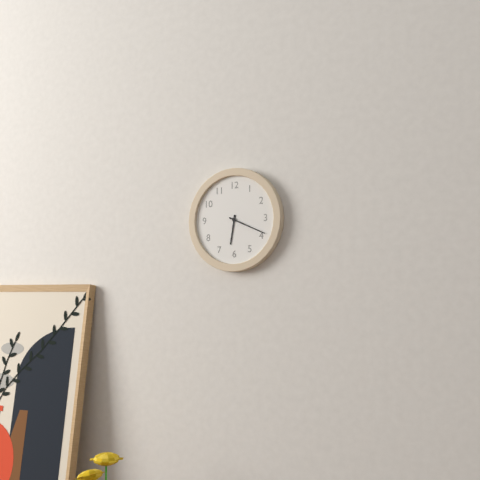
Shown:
**6:19**
